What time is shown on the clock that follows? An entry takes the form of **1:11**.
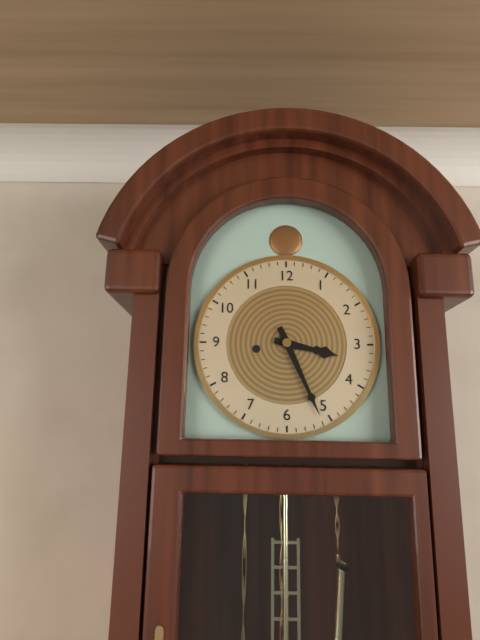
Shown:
**3:26**
